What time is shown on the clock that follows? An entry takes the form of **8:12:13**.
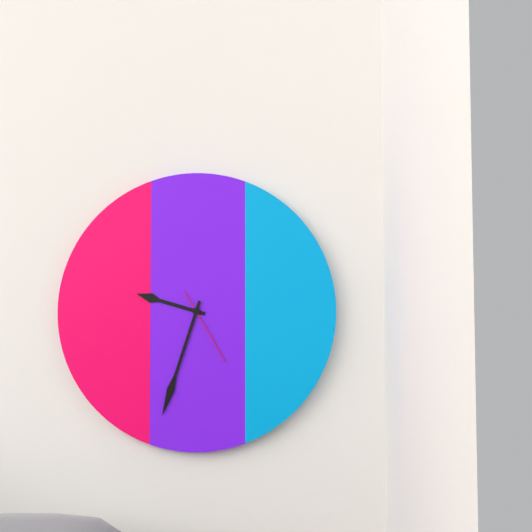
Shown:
**9:33:25**
